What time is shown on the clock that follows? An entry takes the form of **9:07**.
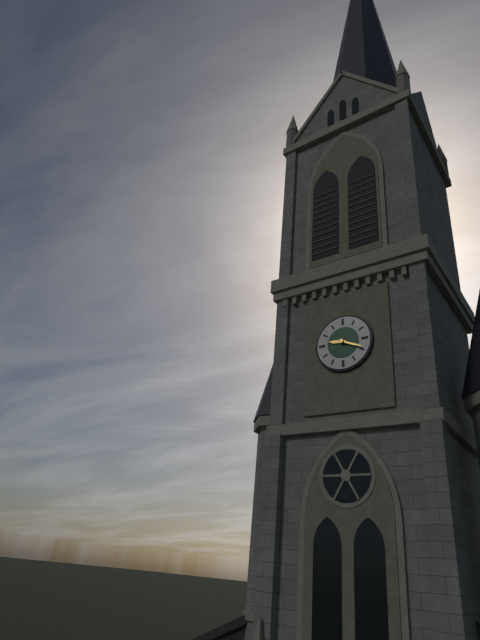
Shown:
**9:19**
